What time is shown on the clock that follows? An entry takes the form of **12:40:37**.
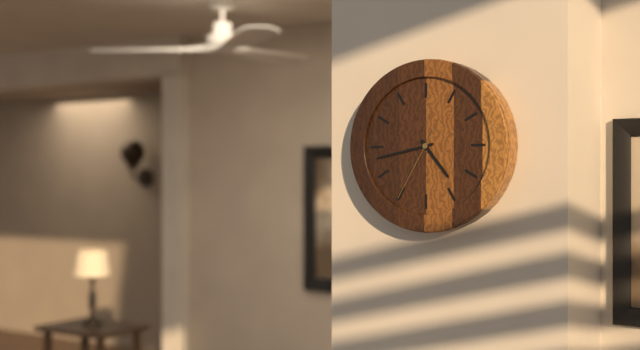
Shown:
**4:43:35**
